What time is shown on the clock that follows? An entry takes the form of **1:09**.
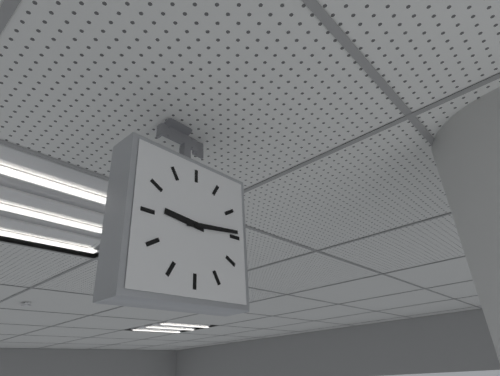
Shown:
**9:14**
